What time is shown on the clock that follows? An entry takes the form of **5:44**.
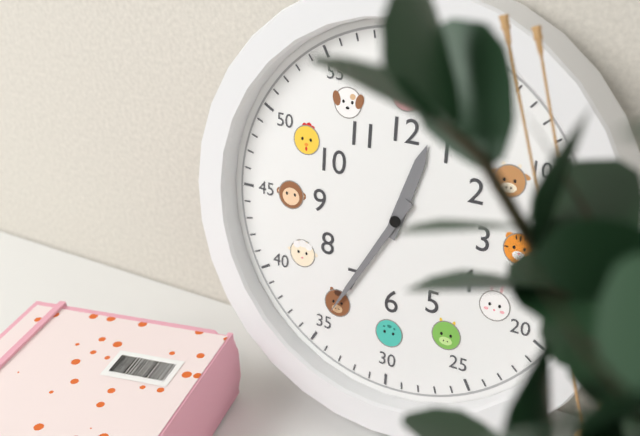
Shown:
**12:35**
